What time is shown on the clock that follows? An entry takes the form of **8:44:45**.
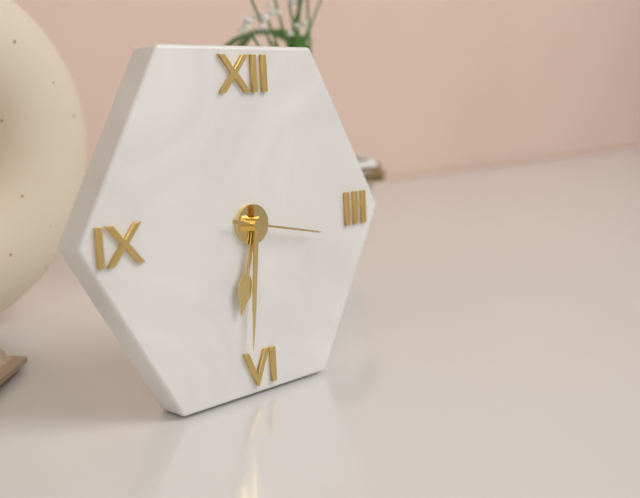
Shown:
**6:31:17**
